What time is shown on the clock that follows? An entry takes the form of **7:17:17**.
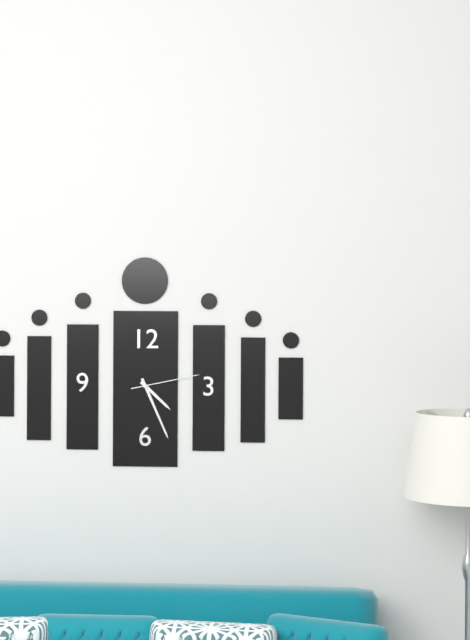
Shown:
**4:26:13**
